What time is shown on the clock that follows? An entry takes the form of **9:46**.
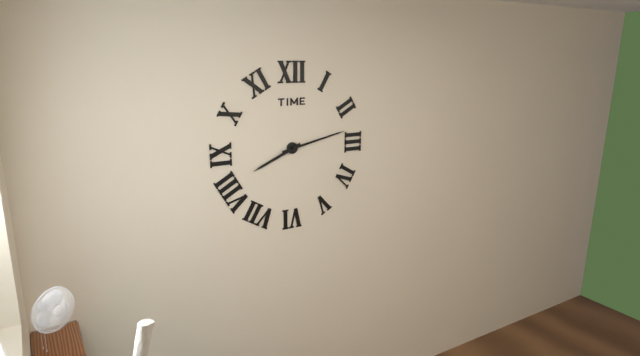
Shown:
**8:13**
